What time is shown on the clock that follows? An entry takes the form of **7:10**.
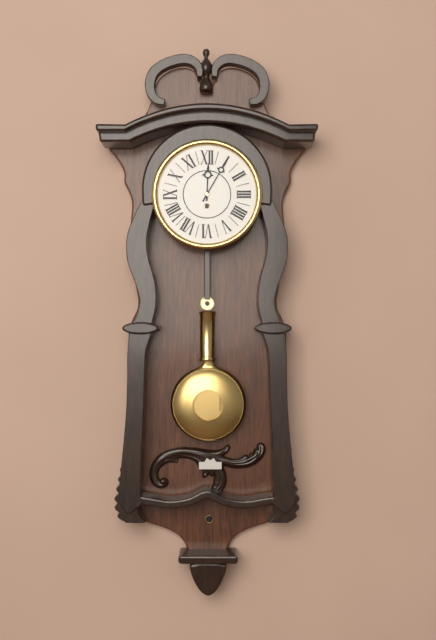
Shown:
**12:05**
